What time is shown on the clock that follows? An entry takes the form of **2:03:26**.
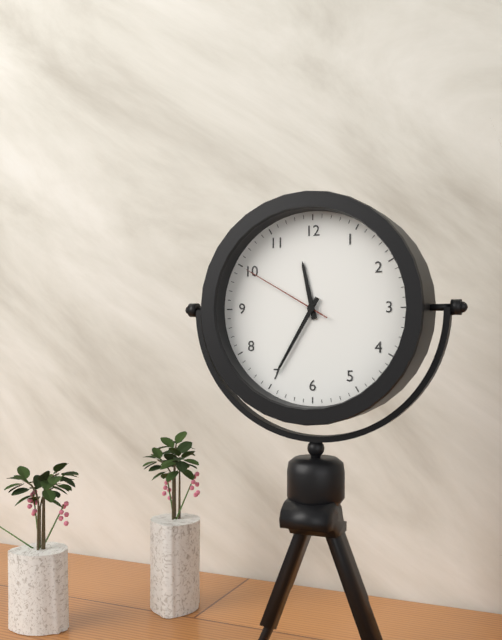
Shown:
**11:35:50**
